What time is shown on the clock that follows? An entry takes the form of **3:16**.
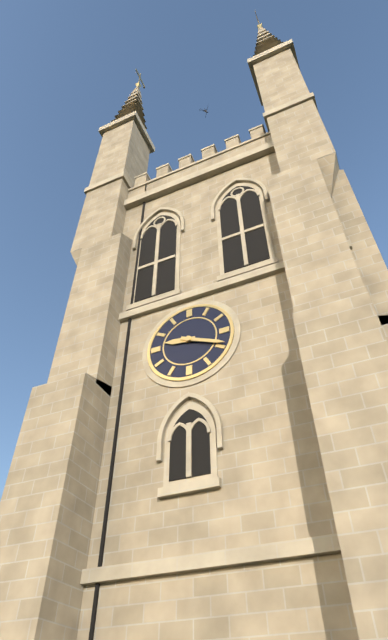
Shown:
**9:19**
